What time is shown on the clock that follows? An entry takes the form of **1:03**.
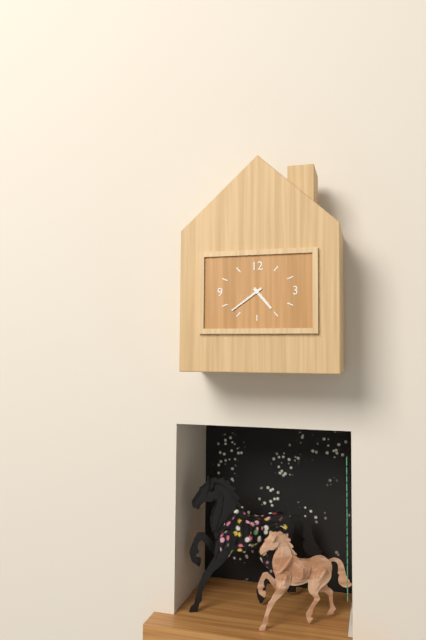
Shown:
**4:39**
